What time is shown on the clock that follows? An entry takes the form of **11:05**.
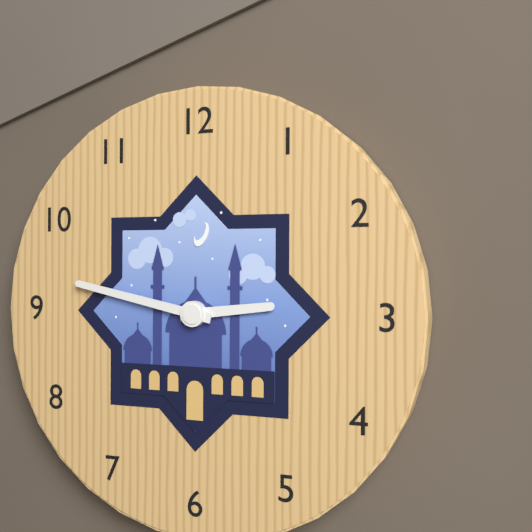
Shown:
**2:47**
